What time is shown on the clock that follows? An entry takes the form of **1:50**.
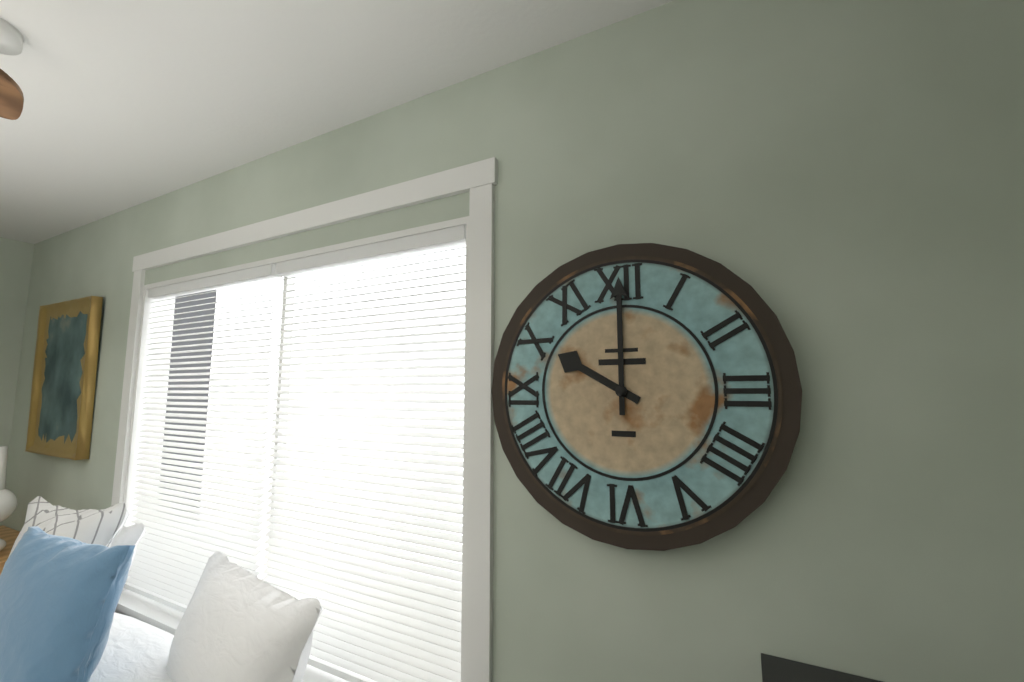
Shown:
**10:00**
